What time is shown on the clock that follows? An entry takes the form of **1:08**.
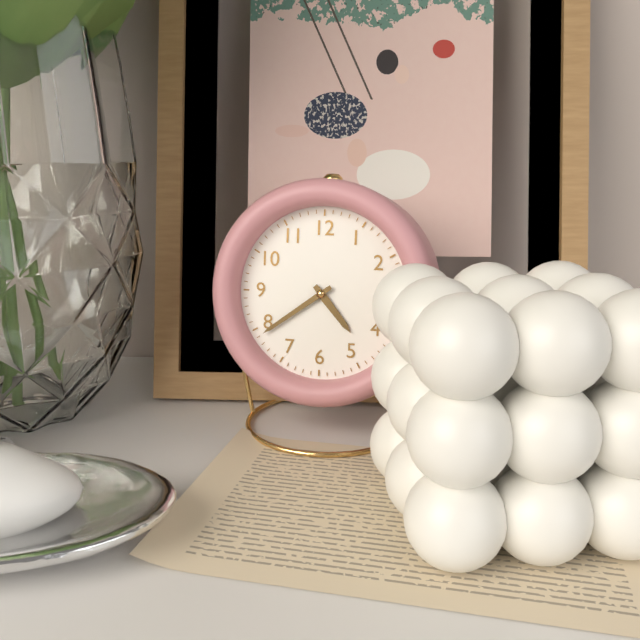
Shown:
**4:39**
